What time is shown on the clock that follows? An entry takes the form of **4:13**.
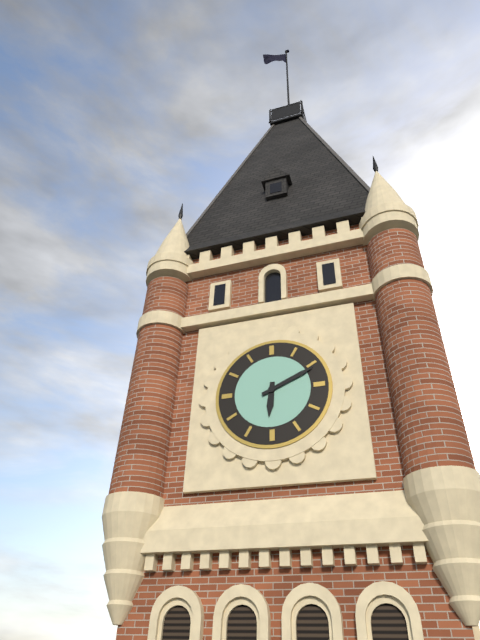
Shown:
**6:11**
